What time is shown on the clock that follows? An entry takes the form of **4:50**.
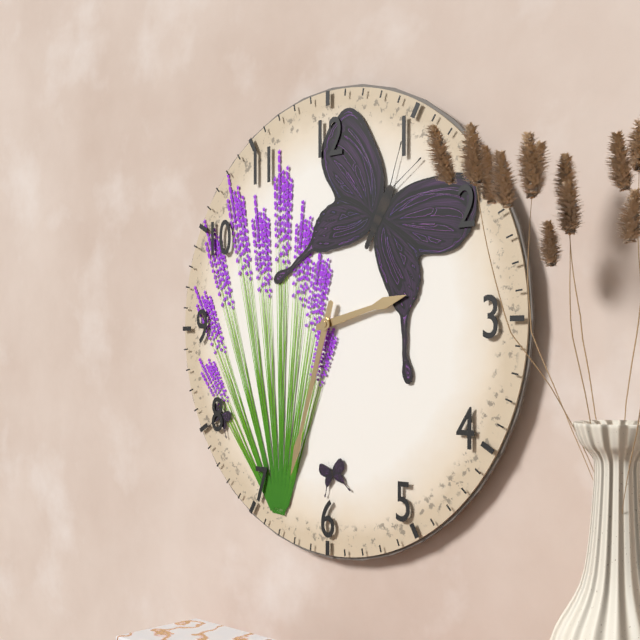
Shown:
**2:33**
